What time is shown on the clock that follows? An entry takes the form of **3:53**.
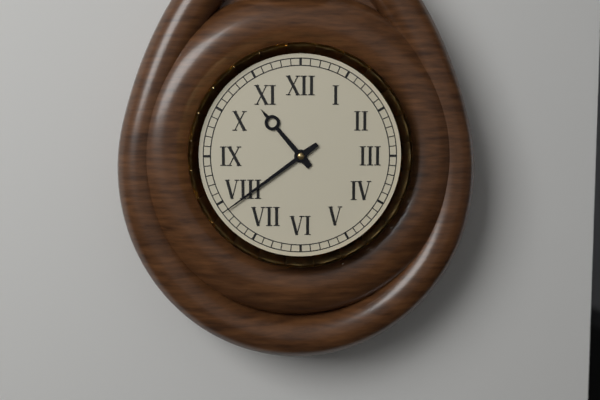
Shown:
**10:39**
